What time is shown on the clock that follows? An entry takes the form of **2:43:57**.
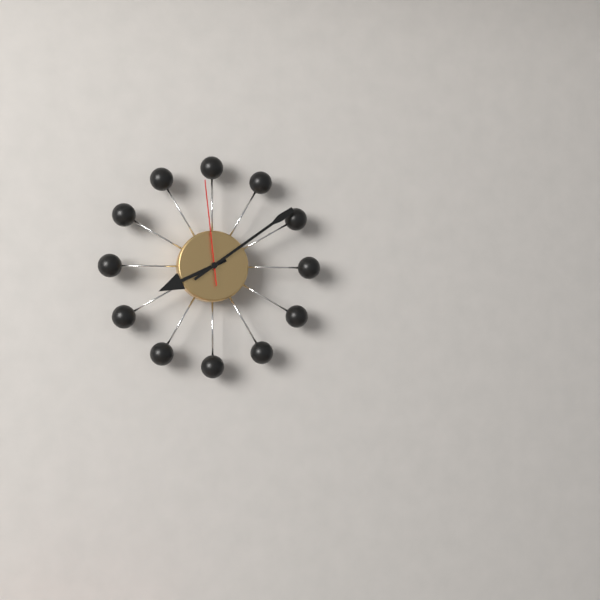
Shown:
**8:09:59**
